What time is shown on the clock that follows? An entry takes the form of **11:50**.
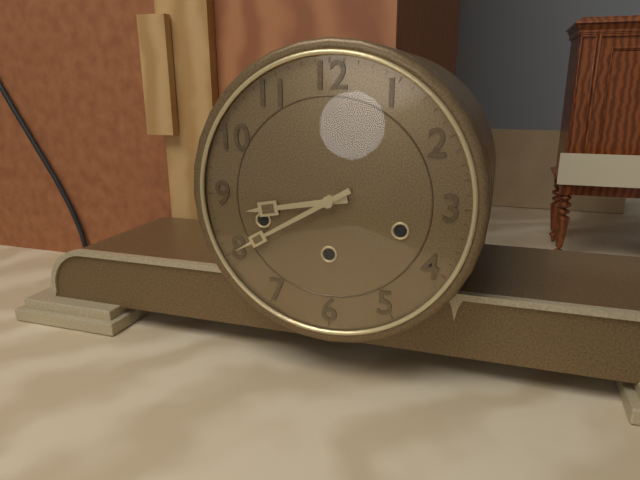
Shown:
**8:40**
